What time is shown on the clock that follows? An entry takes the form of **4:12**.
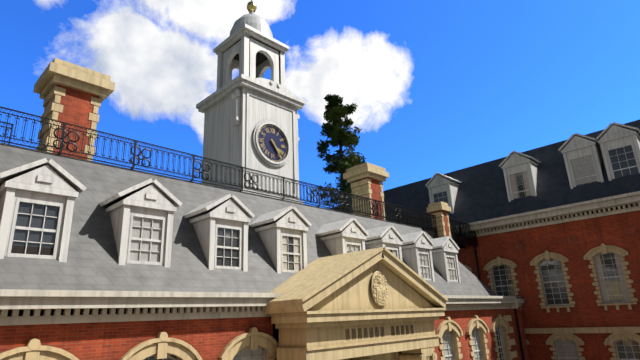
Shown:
**4:24**
